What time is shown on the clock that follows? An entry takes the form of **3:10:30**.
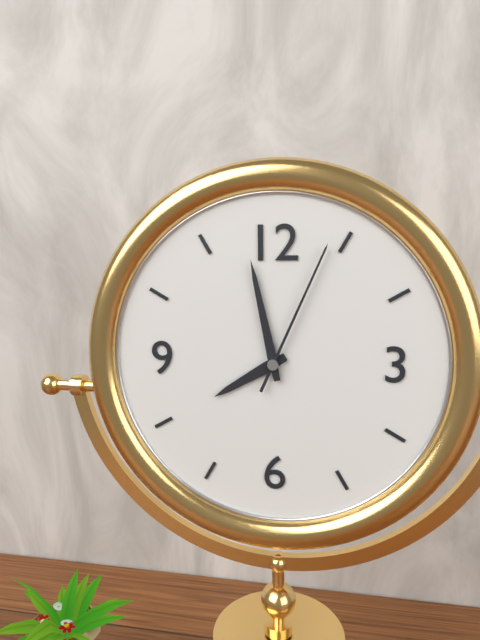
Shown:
**7:58:04**
